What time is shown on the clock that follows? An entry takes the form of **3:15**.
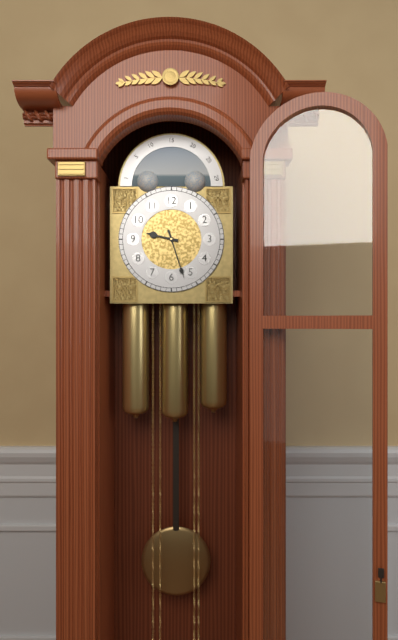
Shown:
**9:27**
